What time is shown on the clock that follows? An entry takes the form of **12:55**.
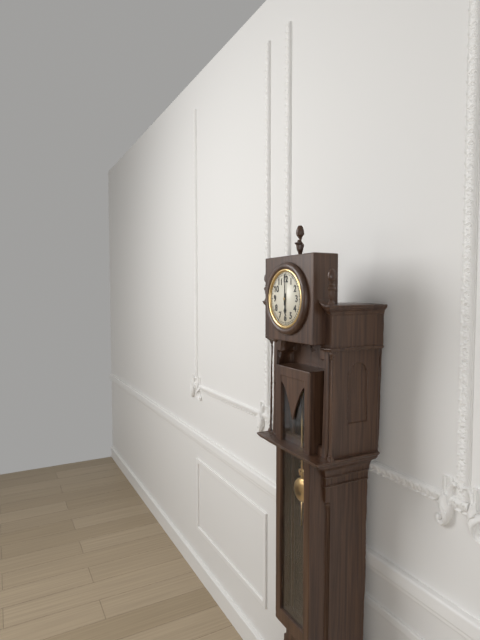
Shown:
**6:00**
